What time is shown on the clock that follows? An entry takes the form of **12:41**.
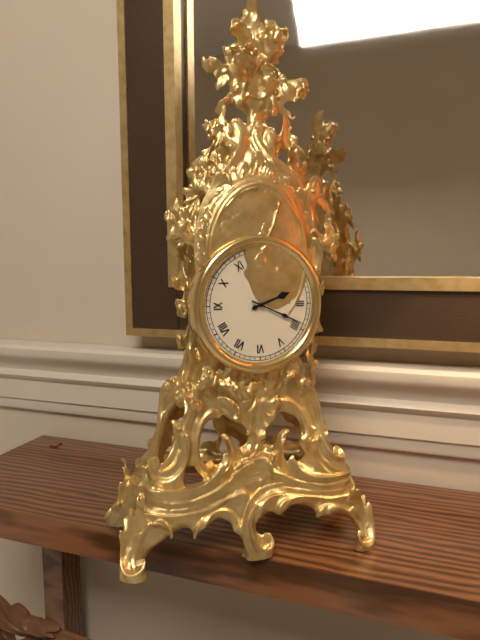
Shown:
**2:19**
